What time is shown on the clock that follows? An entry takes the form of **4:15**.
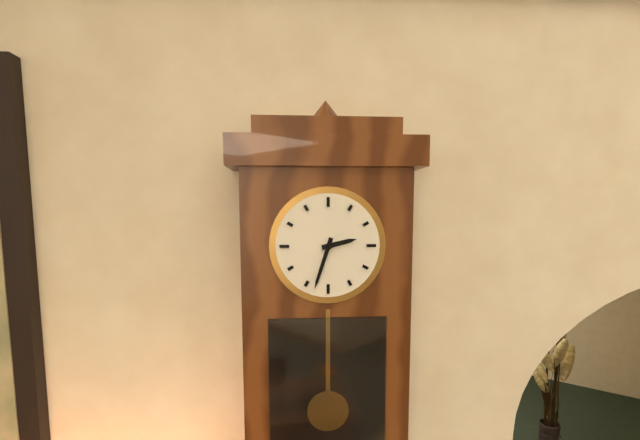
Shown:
**2:33**
